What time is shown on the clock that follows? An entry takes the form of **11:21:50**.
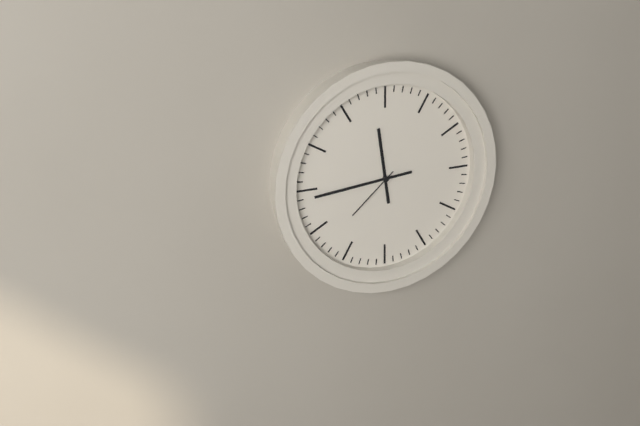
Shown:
**11:44:38**
